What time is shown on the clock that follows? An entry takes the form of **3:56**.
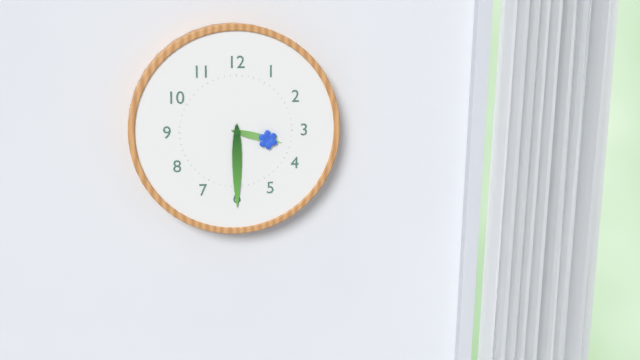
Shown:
**3:30**
